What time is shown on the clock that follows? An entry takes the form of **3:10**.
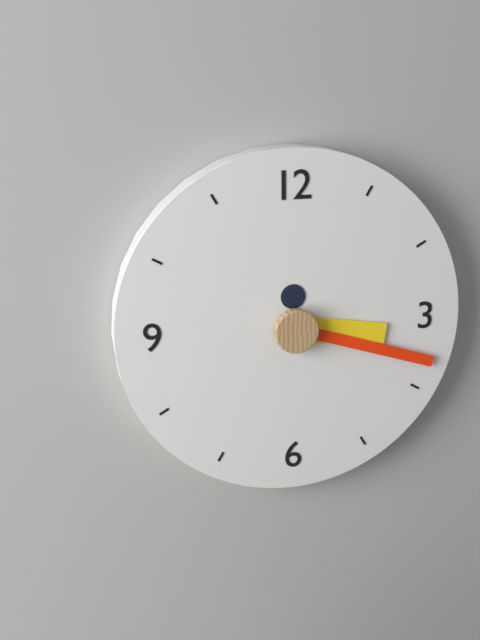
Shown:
**3:18**
